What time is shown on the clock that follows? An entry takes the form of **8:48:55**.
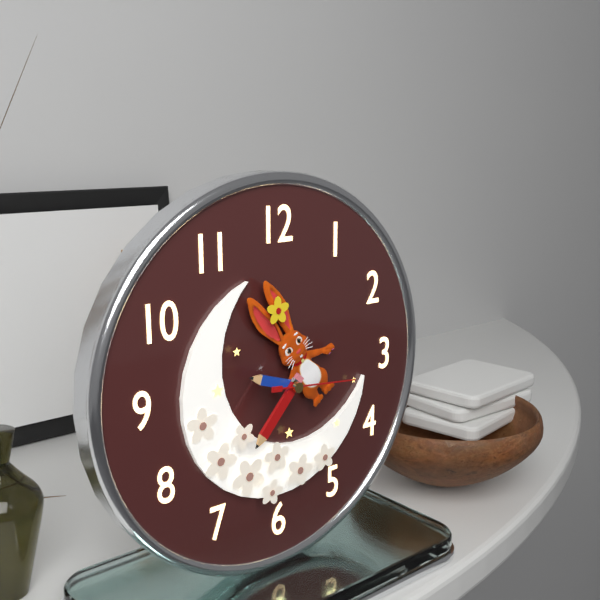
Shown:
**9:37:16**
